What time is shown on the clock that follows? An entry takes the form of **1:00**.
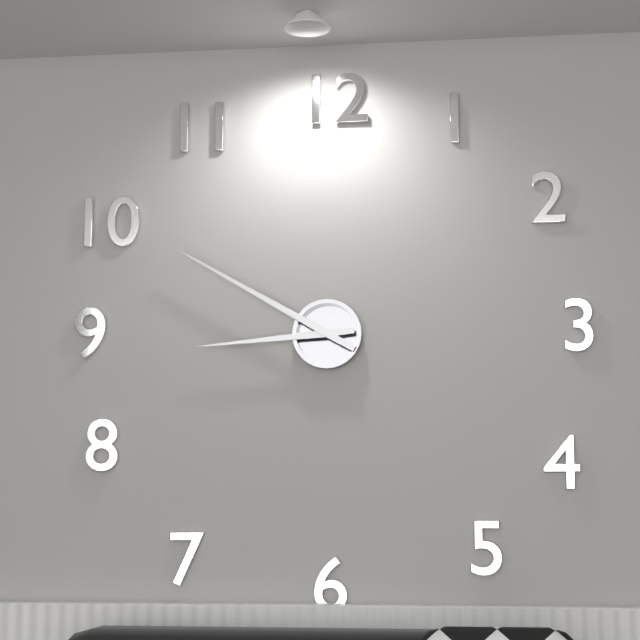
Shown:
**8:50**
